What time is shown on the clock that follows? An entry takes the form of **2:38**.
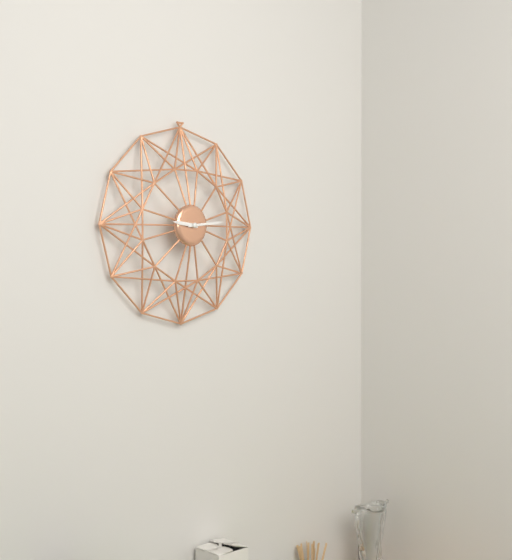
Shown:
**9:14**
